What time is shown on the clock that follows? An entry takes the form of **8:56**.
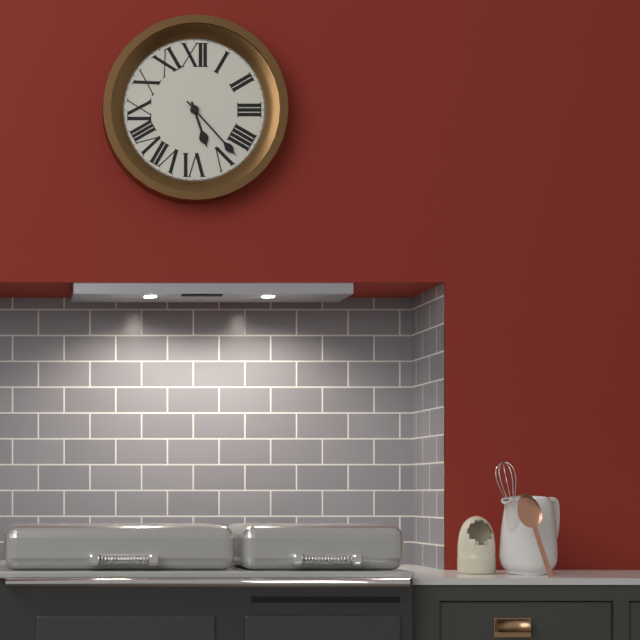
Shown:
**5:23**
